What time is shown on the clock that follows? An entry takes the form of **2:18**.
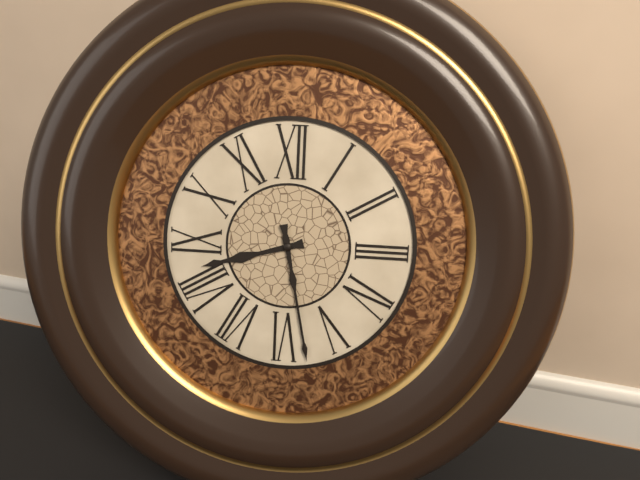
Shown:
**8:28**
